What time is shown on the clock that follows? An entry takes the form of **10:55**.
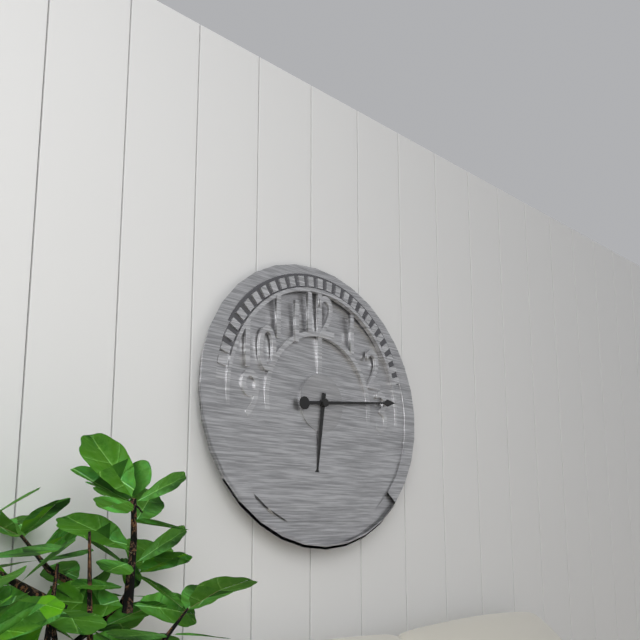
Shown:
**6:14**
